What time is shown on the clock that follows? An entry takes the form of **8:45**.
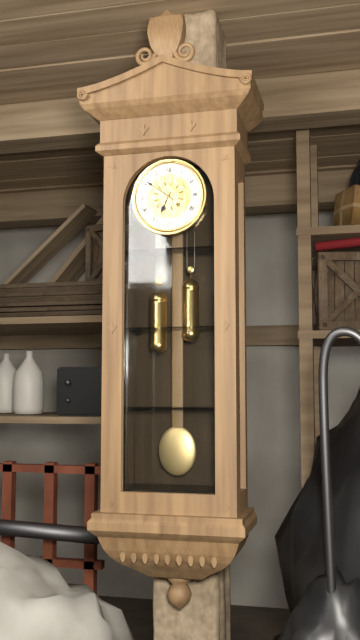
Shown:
**6:51**
